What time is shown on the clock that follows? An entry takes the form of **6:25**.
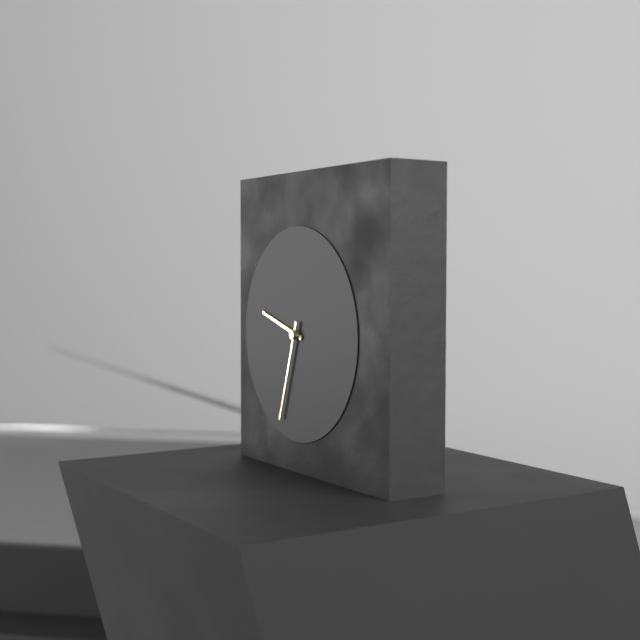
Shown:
**9:33**
